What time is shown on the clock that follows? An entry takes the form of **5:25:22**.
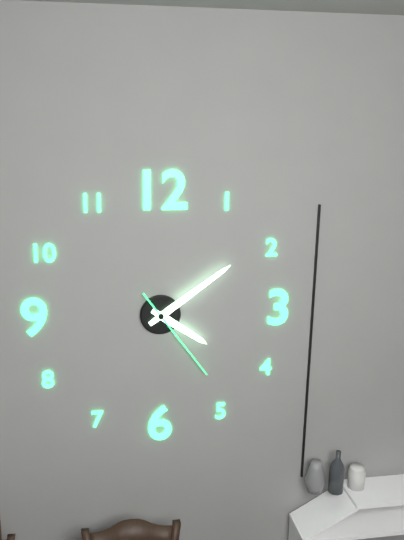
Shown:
**4:09:24**
